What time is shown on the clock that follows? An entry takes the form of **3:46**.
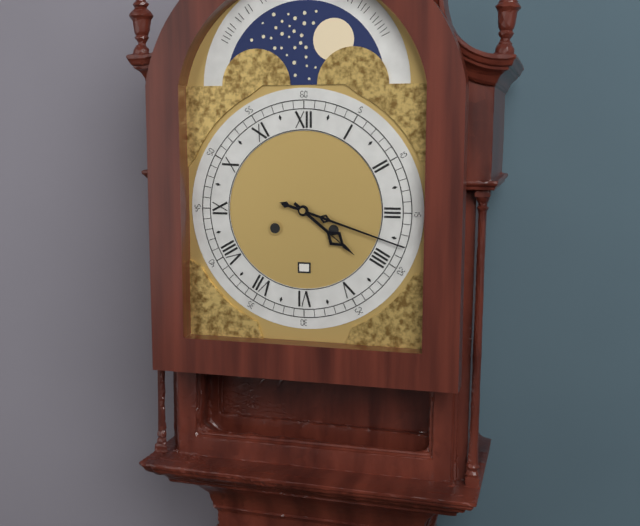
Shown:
**4:18**
